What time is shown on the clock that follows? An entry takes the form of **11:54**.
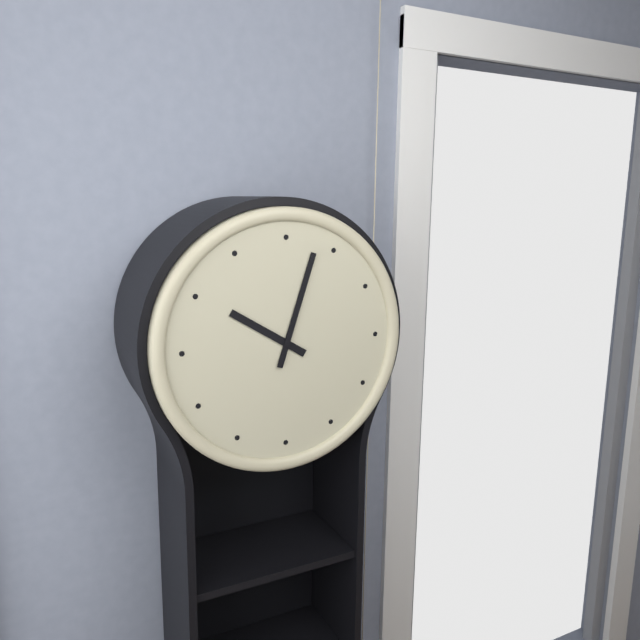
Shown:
**10:03**
